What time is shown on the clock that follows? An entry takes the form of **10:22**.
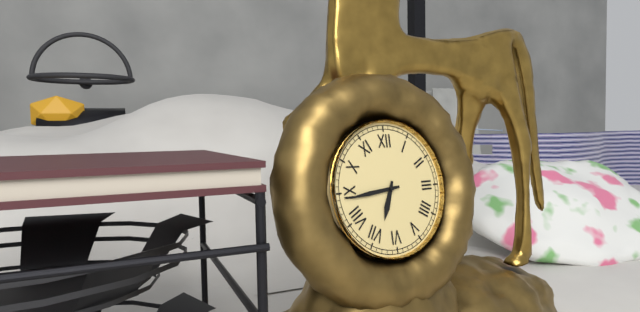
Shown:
**6:44**
